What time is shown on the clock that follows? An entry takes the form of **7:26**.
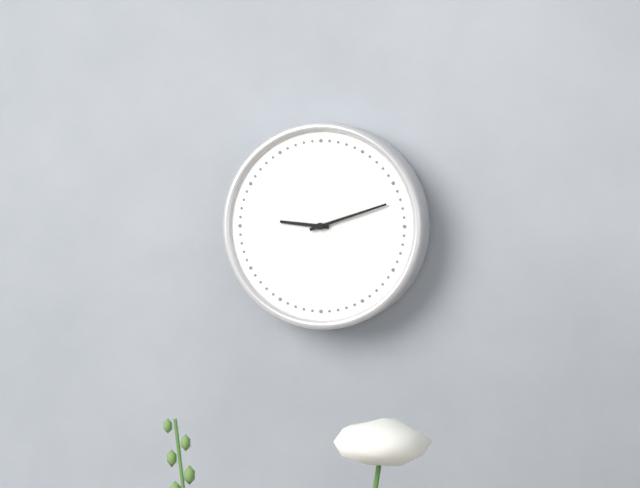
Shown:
**9:12**
